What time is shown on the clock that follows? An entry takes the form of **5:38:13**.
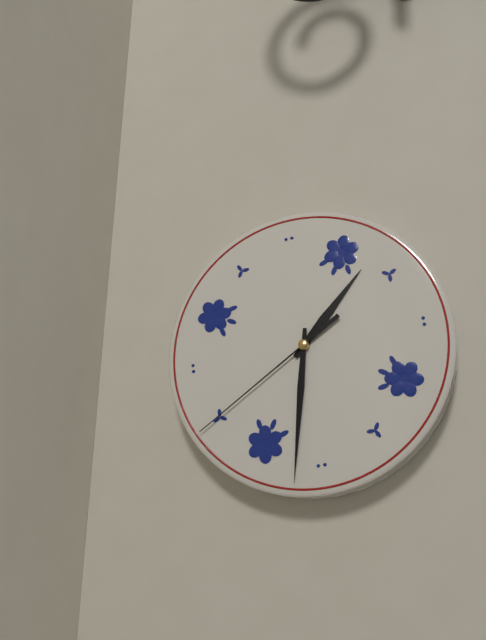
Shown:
**1:32:40**
